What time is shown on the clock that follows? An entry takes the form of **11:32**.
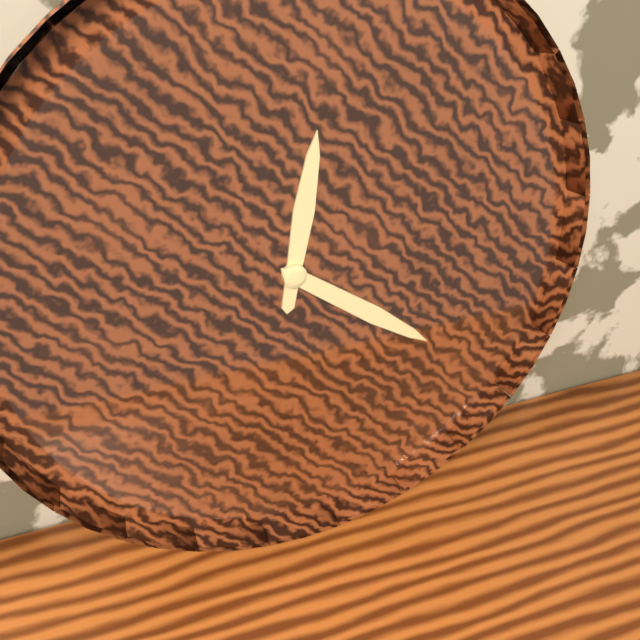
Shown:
**12:21**
